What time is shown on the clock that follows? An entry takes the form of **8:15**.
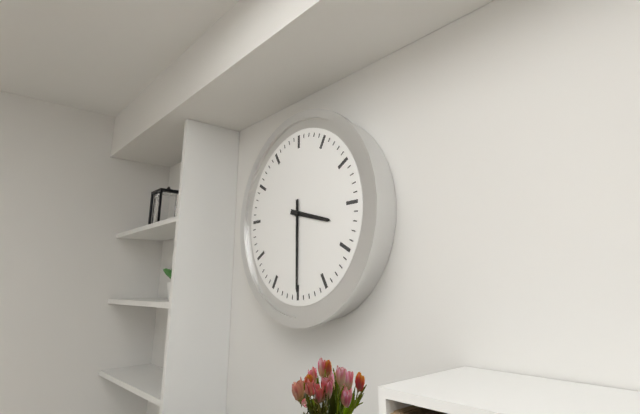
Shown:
**3:30**
